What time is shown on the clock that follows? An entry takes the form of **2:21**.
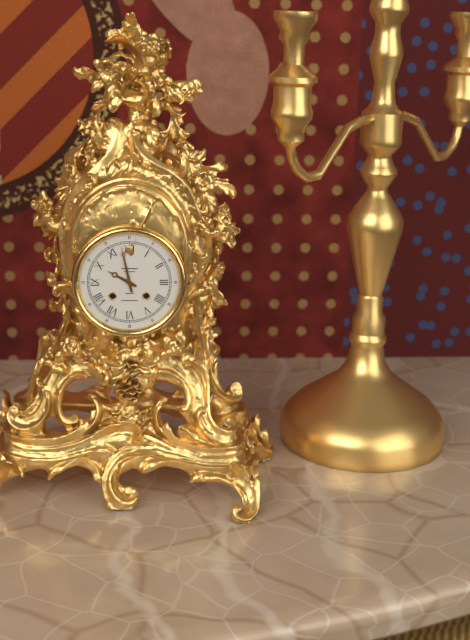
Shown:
**9:58**
